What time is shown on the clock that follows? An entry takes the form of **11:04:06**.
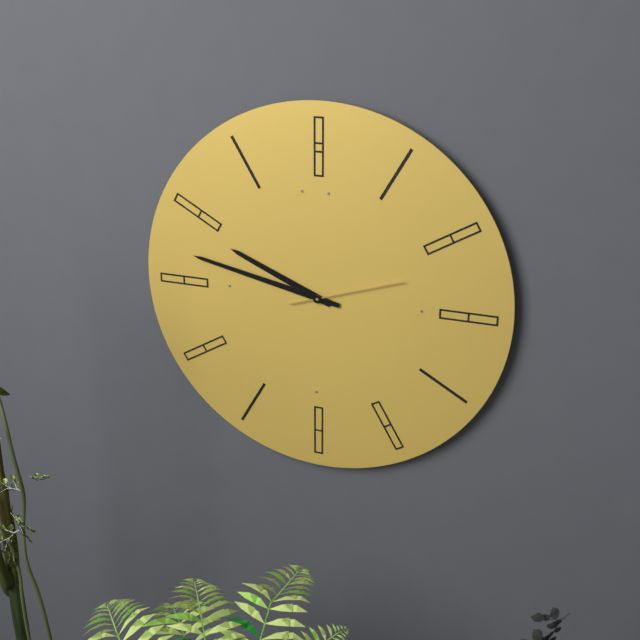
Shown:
**9:47:12**
